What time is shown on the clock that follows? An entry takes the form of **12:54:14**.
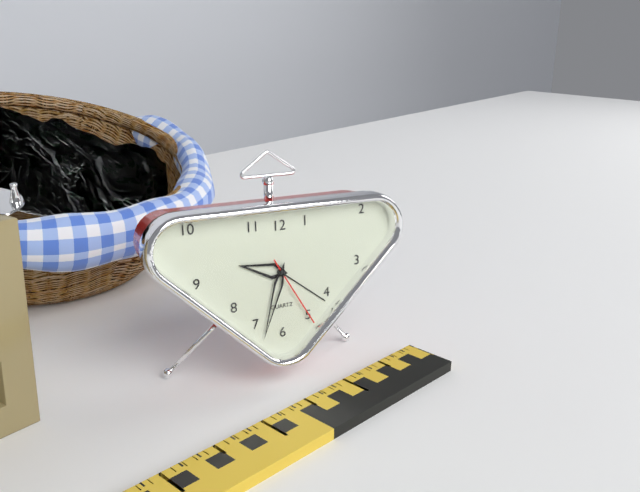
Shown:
**9:33:25**
